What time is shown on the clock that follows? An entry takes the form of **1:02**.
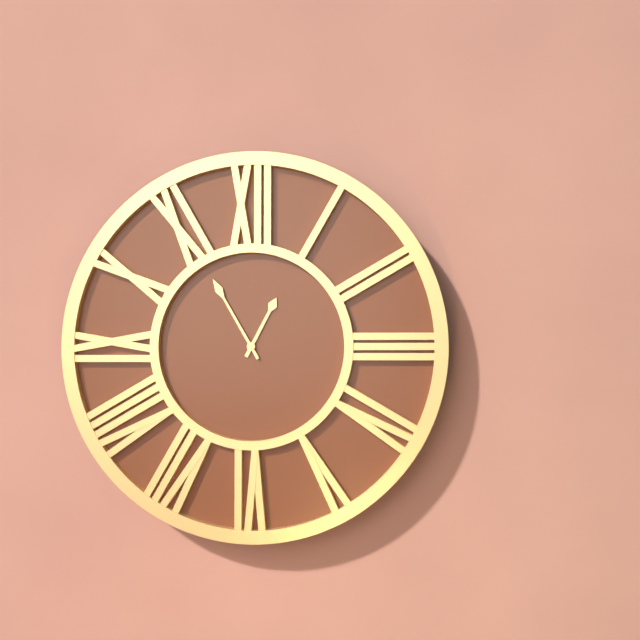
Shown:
**12:55**
